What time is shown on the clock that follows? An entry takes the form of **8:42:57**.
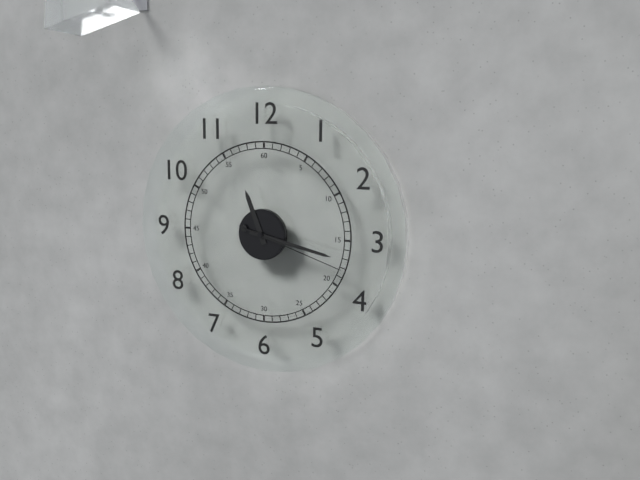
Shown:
**11:17:18**
